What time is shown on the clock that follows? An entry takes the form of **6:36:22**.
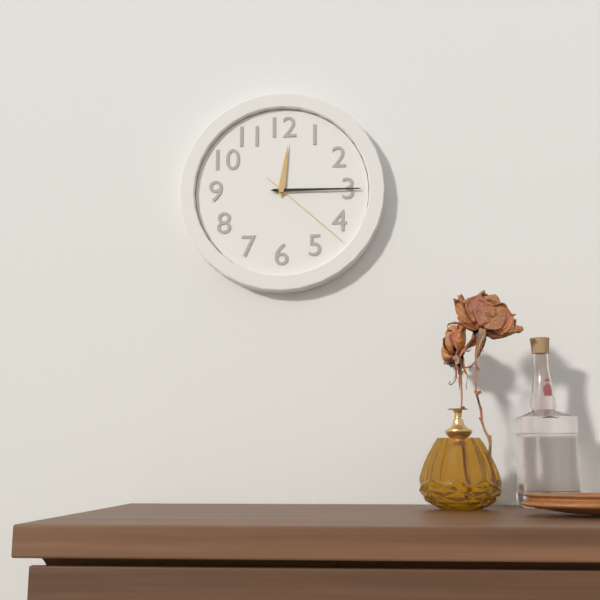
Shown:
**12:15:22**
